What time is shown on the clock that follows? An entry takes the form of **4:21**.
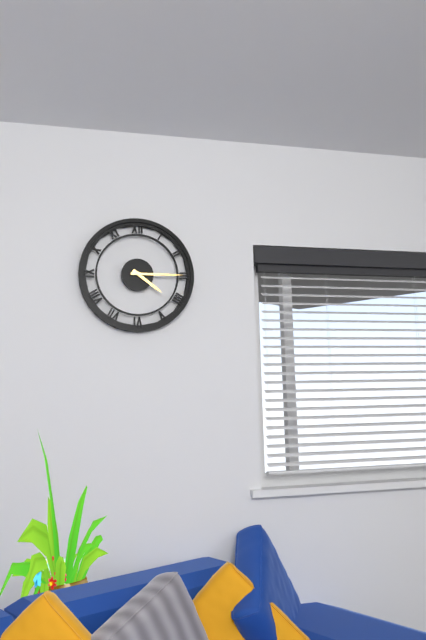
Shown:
**4:15**
